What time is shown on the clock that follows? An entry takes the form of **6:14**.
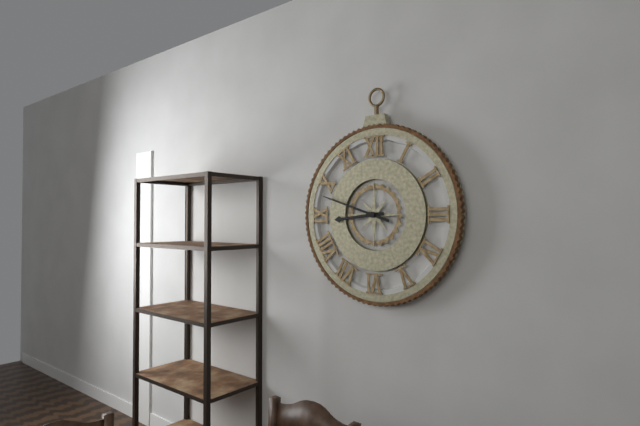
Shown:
**8:48**
